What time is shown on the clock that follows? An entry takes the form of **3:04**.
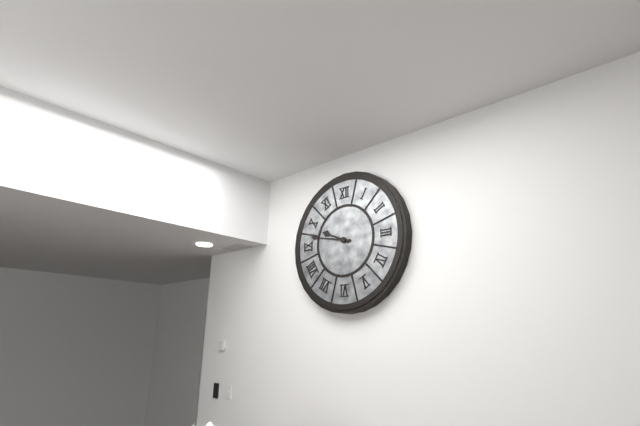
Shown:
**9:47**
